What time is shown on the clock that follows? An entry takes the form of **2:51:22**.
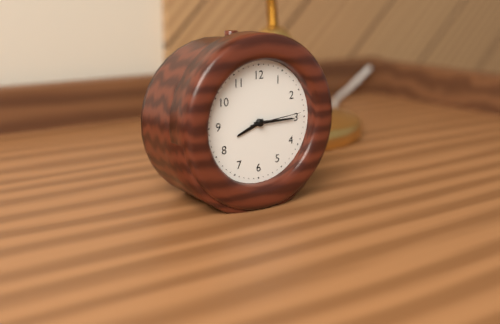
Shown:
**8:15:14**
